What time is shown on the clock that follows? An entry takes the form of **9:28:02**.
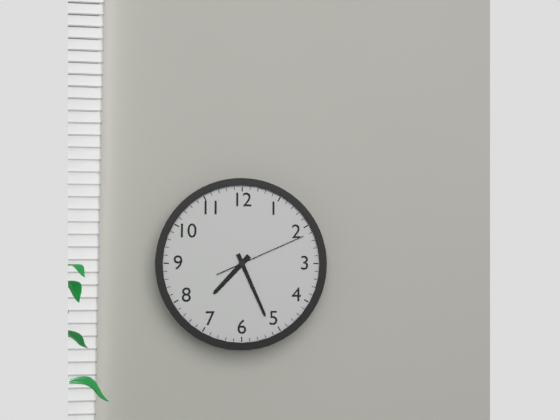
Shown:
**7:26:11**
